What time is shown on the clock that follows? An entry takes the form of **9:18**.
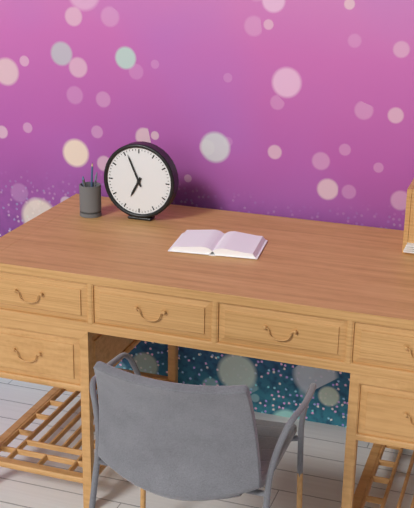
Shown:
**6:56**
